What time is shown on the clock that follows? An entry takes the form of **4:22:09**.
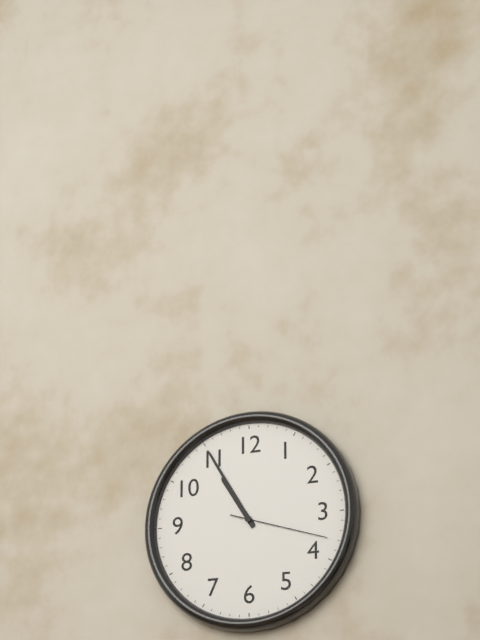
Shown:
**10:55:18**
